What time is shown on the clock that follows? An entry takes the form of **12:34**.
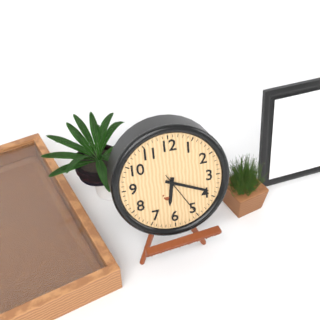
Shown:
**6:19**
